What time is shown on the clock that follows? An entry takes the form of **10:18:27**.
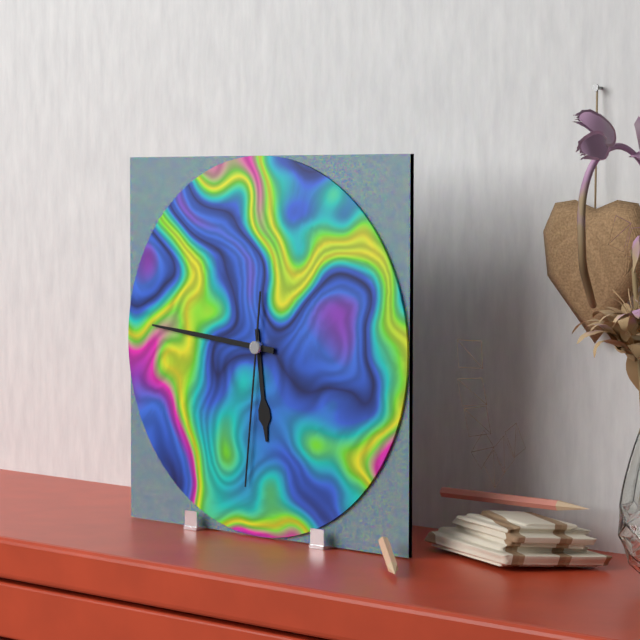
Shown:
**5:46:31**
